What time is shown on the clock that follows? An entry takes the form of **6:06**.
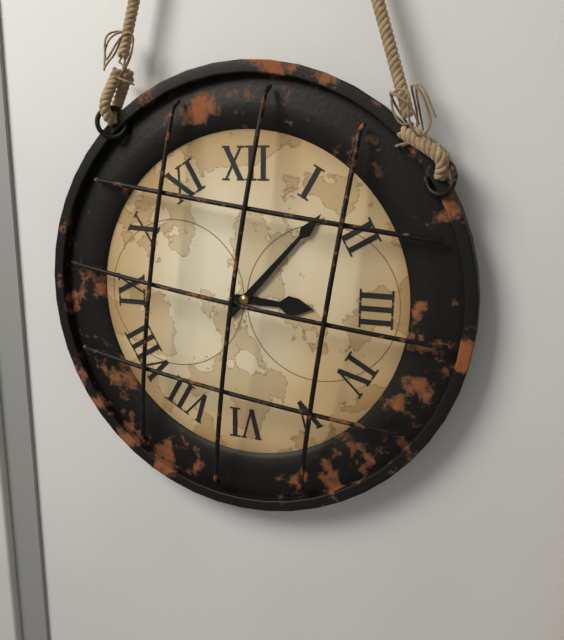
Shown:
**3:07**
